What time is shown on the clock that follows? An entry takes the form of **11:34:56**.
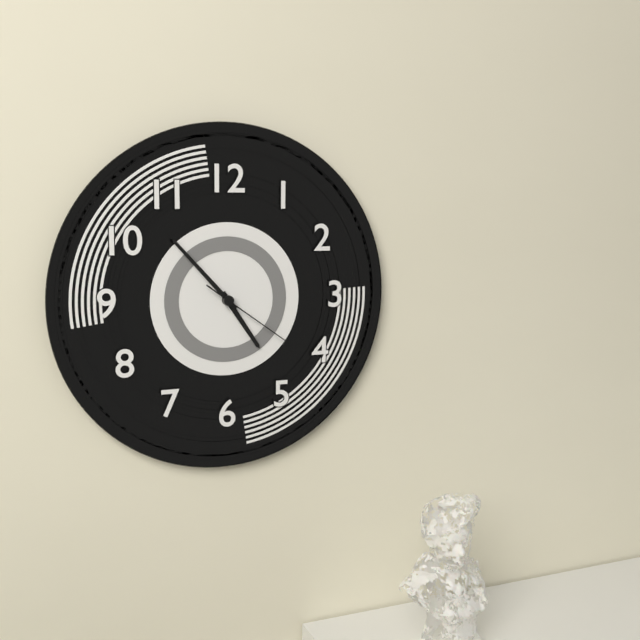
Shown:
**4:53:21**
